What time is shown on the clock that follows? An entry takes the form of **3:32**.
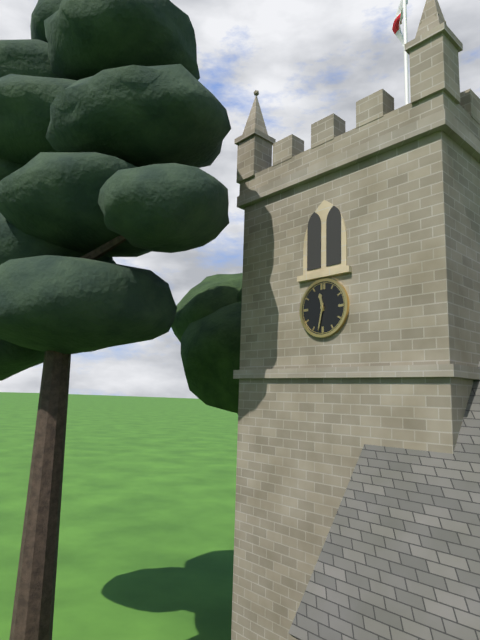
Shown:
**11:32**
